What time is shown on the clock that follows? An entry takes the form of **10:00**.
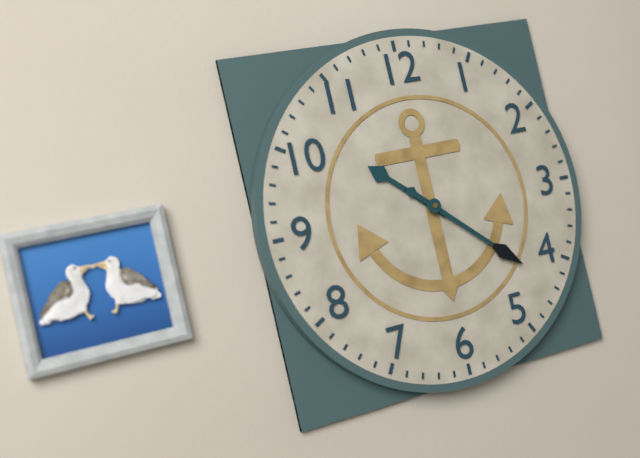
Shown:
**10:22**
